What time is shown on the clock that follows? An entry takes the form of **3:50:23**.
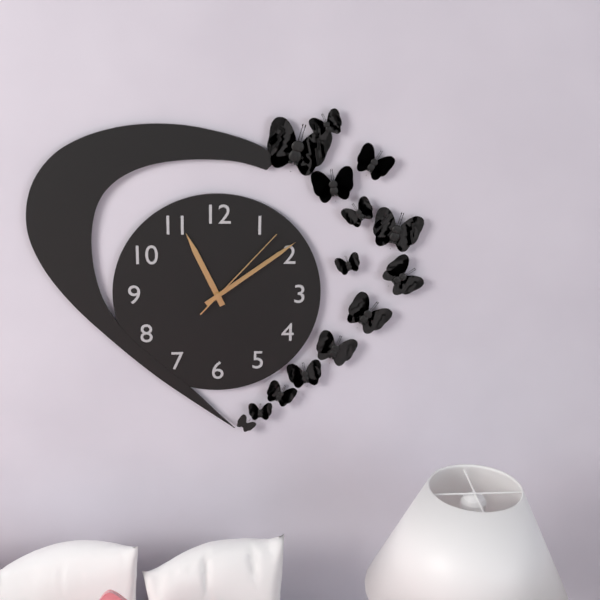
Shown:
**11:09:07**
